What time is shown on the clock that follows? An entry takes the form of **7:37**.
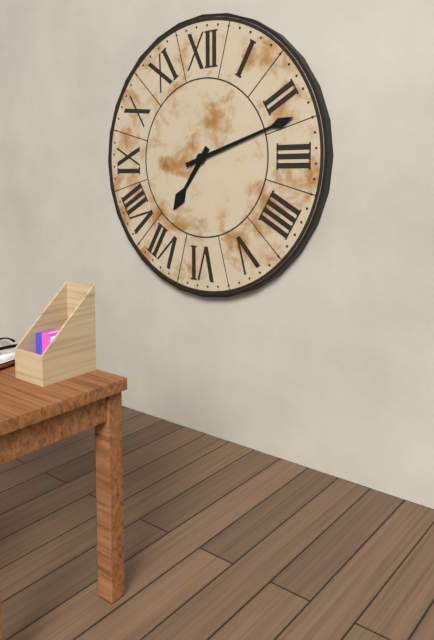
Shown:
**7:12**
